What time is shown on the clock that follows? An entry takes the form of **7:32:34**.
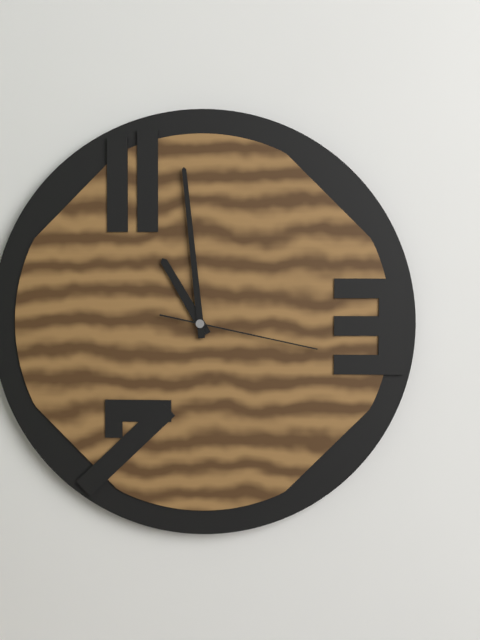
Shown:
**10:59:17**
